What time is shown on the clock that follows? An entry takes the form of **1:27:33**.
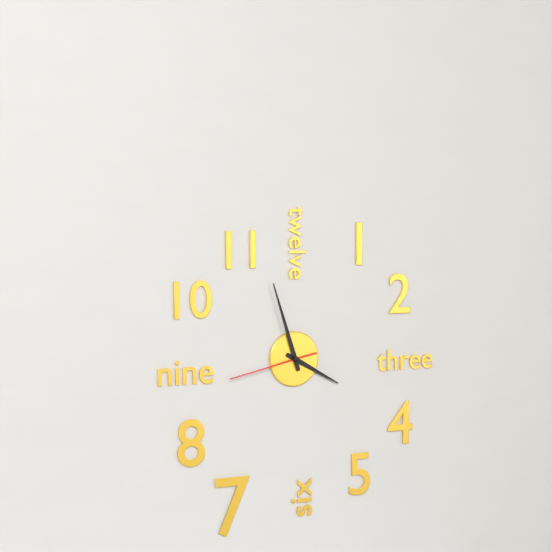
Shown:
**3:57:43**
